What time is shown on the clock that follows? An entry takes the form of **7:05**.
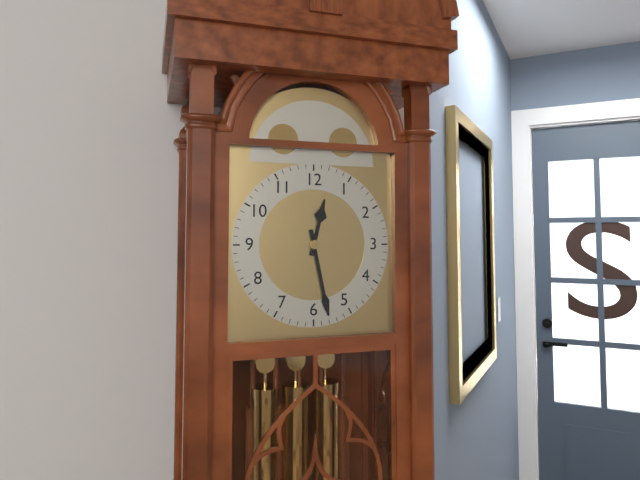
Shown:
**12:28**
